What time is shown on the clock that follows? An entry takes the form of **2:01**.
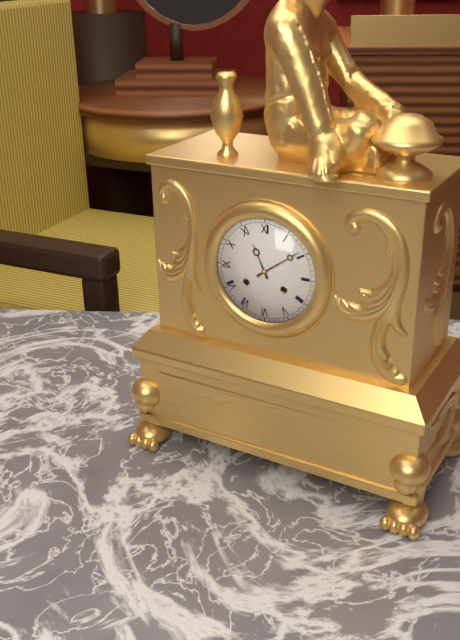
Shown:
**11:09**
